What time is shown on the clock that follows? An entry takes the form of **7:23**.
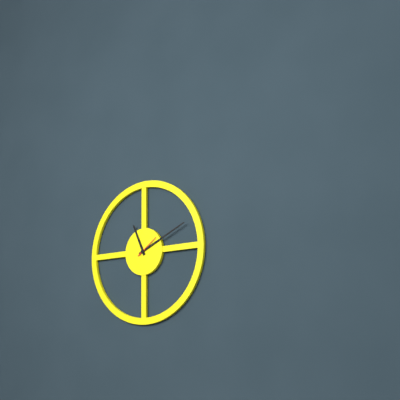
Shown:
**11:11**
